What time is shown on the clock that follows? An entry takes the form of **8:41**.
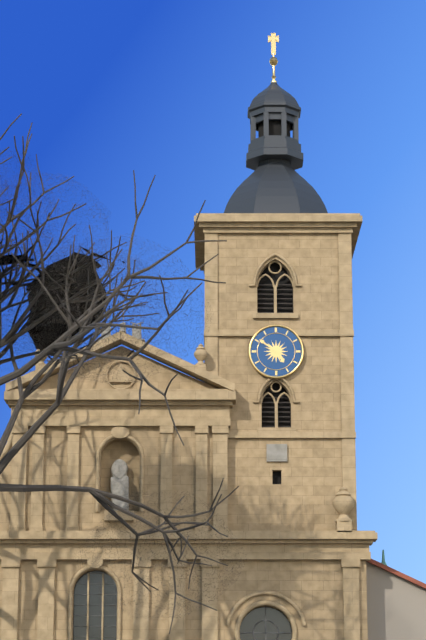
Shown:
**4:51**
